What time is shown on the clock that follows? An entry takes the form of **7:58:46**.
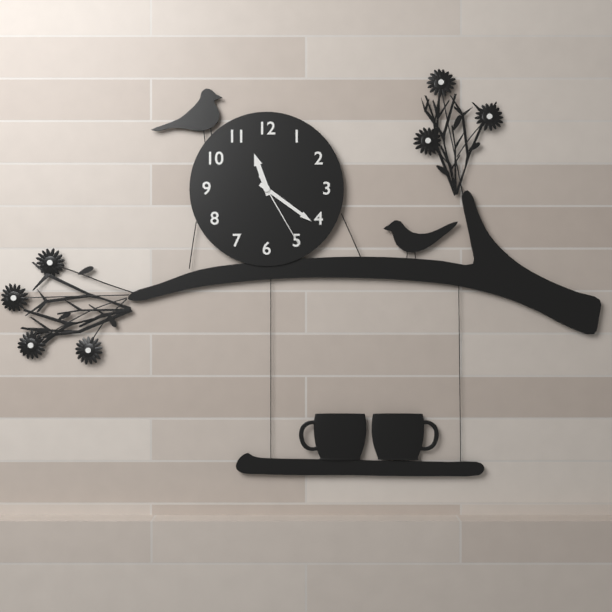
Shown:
**11:21:25**
